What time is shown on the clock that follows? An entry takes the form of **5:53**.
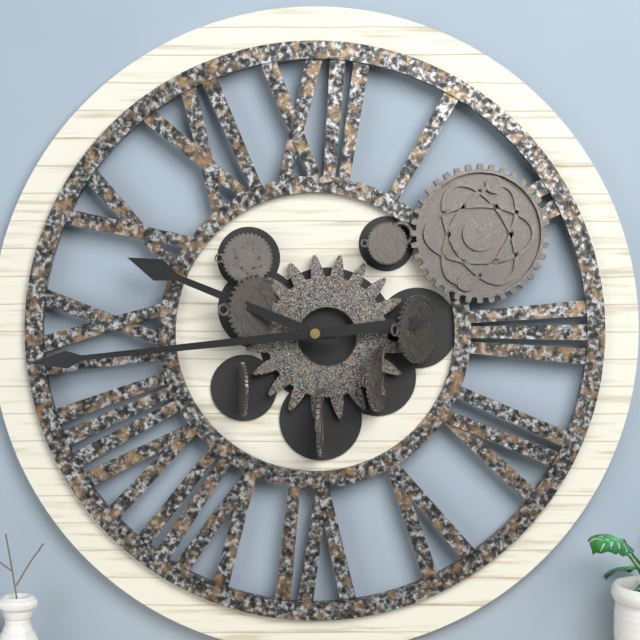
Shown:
**9:44**
